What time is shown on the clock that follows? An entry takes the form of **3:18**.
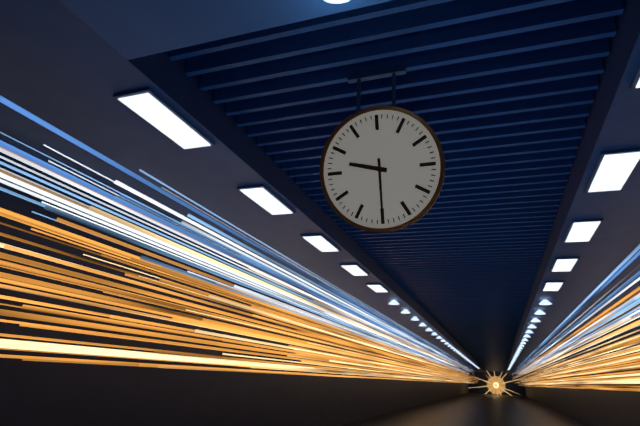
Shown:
**9:30**
